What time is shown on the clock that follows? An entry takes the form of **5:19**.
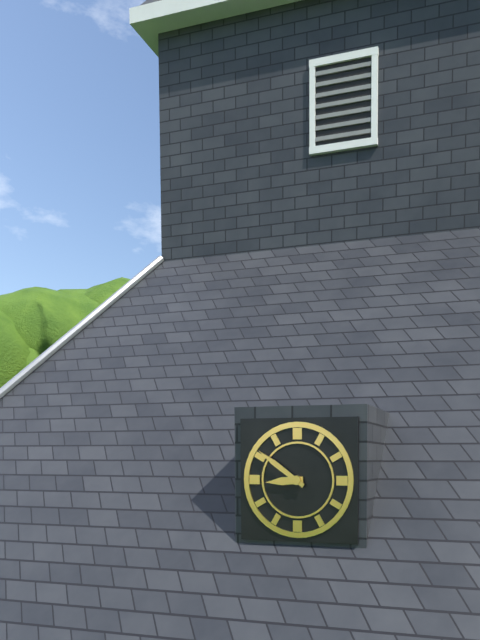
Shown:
**8:51**
